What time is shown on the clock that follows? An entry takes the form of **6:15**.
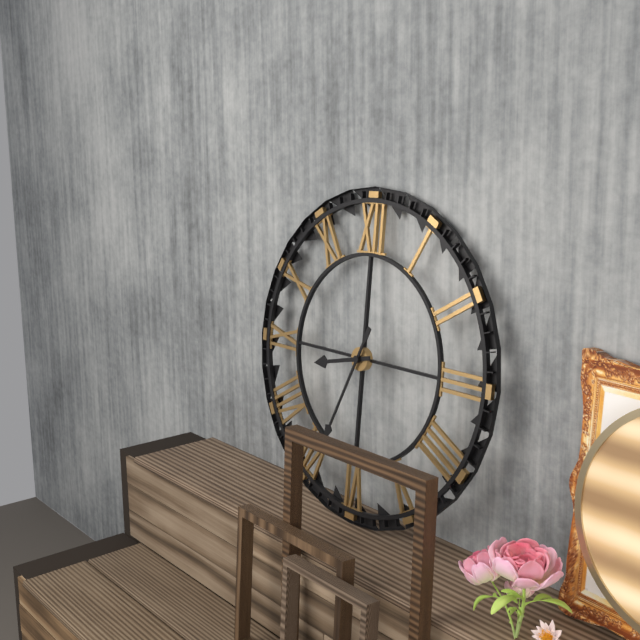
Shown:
**8:34**
